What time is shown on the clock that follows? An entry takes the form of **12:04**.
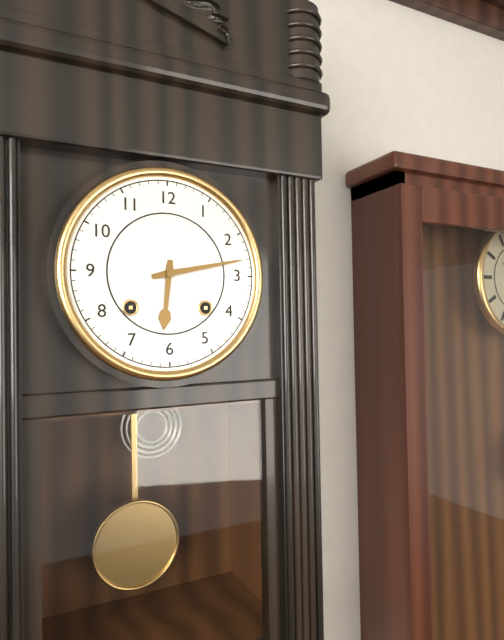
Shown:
**6:13**
